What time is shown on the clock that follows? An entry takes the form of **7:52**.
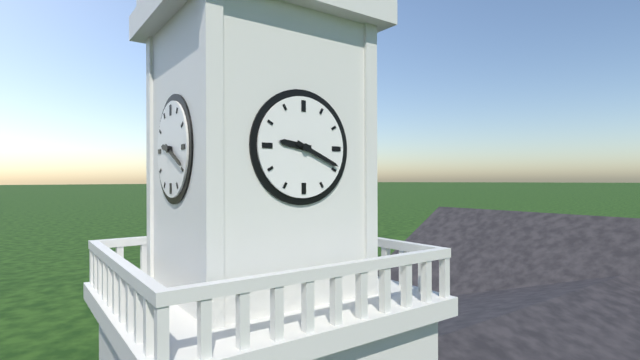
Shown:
**9:19**
